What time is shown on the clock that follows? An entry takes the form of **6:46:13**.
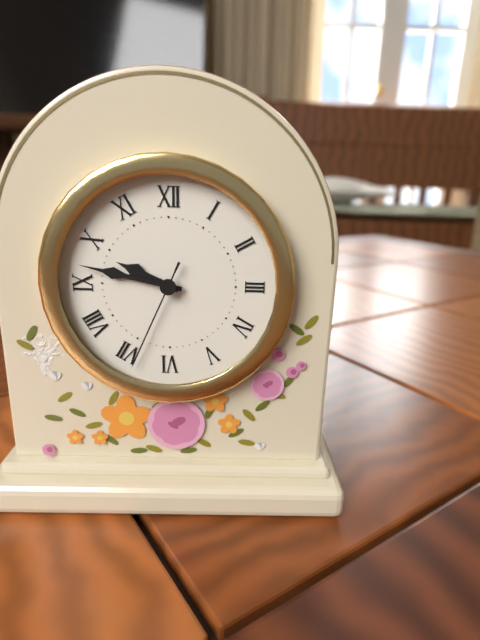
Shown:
**9:47:34**
